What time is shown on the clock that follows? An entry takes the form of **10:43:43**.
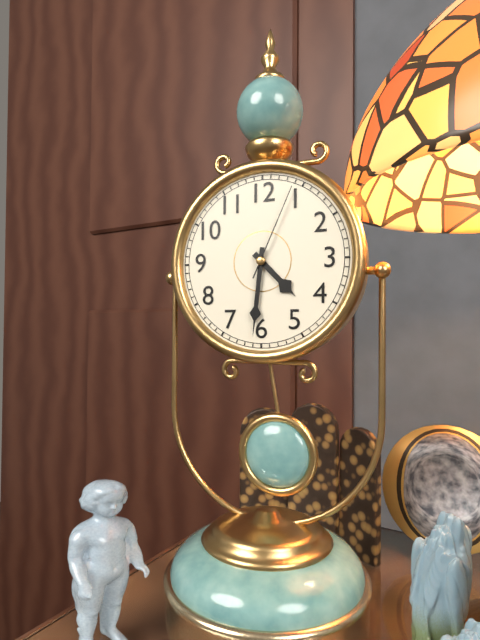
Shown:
**4:31:04**
